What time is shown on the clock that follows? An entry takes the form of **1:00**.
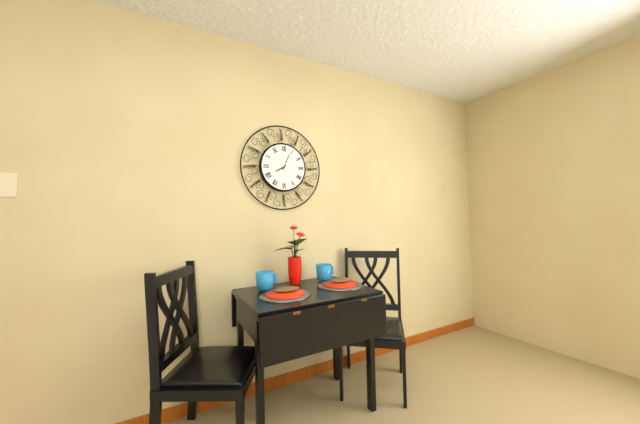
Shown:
**8:04**
